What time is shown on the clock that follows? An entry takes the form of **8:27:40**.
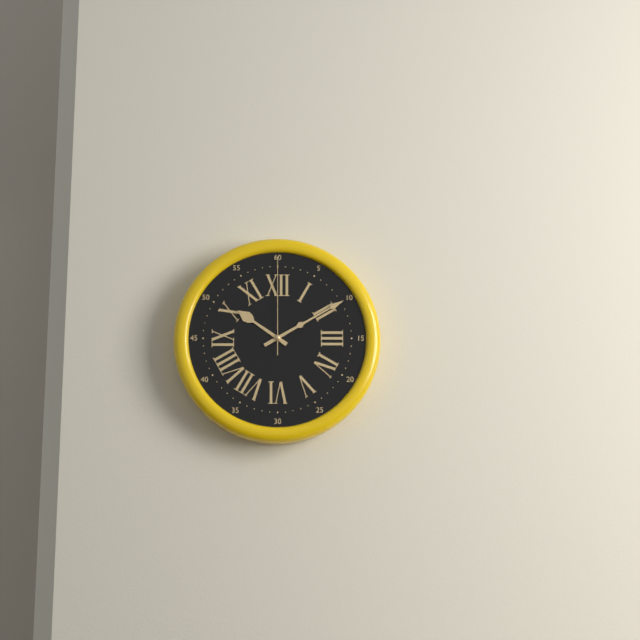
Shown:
**10:10:00**
